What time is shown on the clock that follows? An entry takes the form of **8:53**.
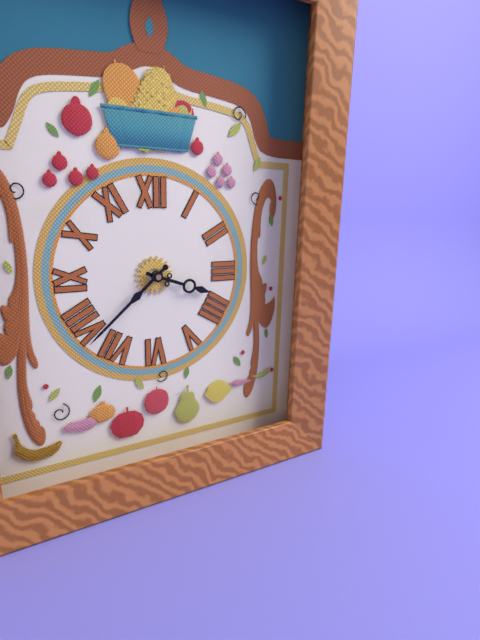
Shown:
**3:38**
